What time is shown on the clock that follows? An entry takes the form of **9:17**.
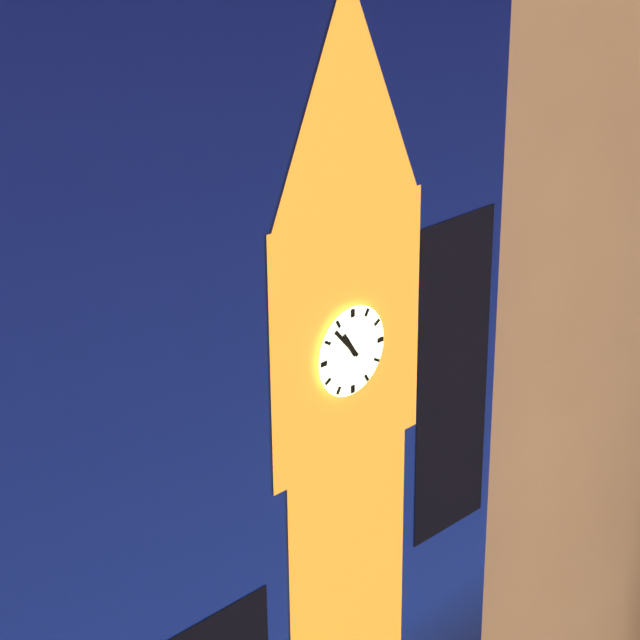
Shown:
**10:53**
